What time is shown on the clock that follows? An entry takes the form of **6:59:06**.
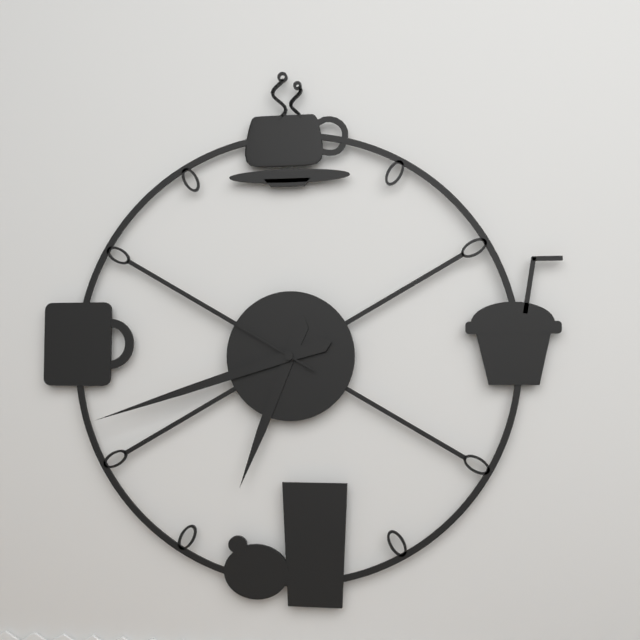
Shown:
**6:42:50**
